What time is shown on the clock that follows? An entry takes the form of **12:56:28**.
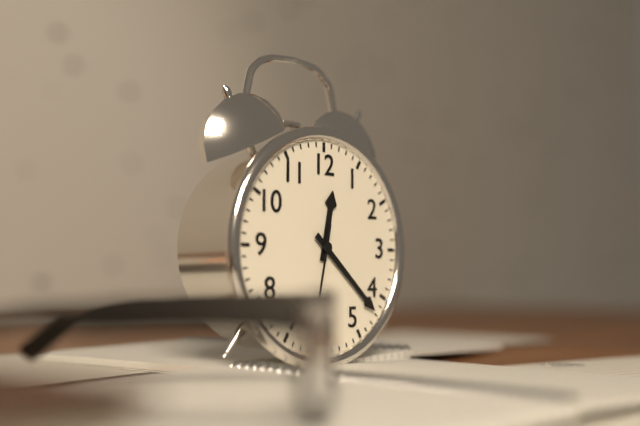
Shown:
**12:22:32**
